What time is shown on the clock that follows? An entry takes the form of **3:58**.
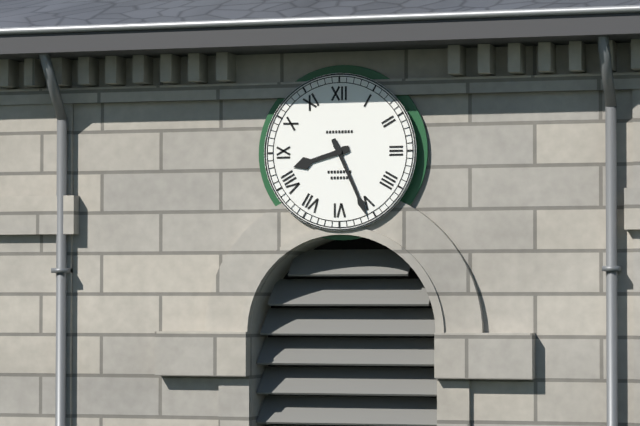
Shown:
**8:26**
